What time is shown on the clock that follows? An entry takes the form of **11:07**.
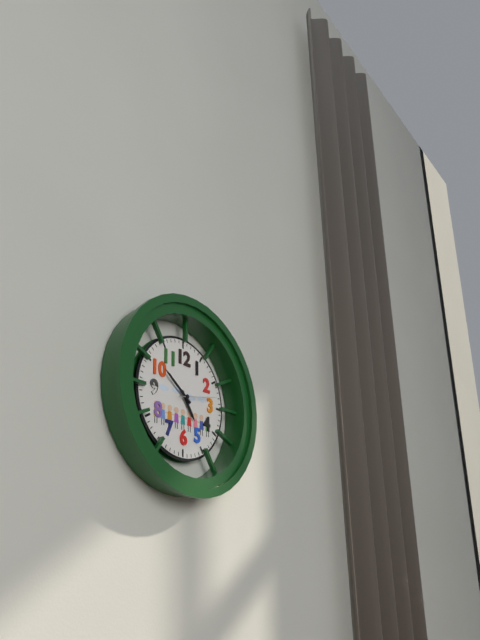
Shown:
**4:51**
